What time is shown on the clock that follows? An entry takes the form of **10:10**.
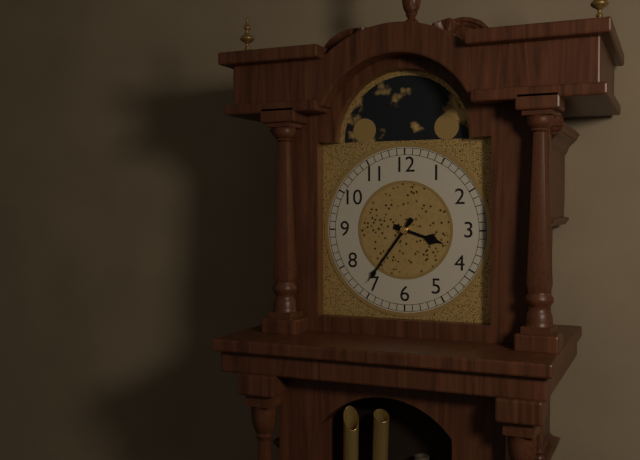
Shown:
**3:36**
